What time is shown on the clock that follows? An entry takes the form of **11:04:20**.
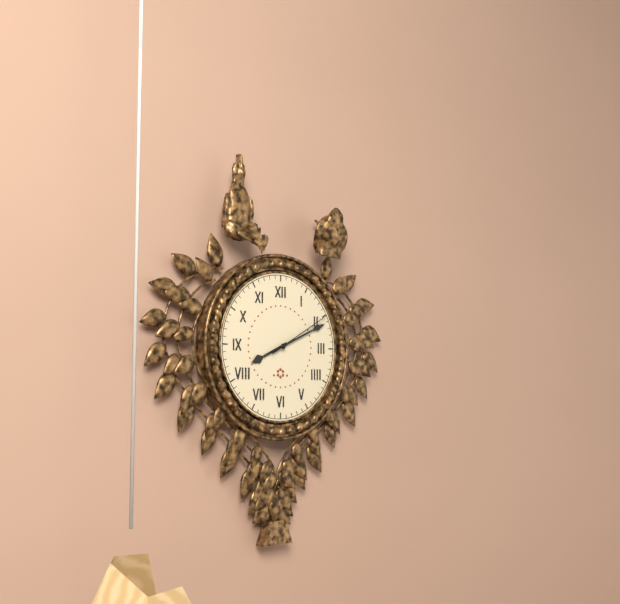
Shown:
**8:11:10**
